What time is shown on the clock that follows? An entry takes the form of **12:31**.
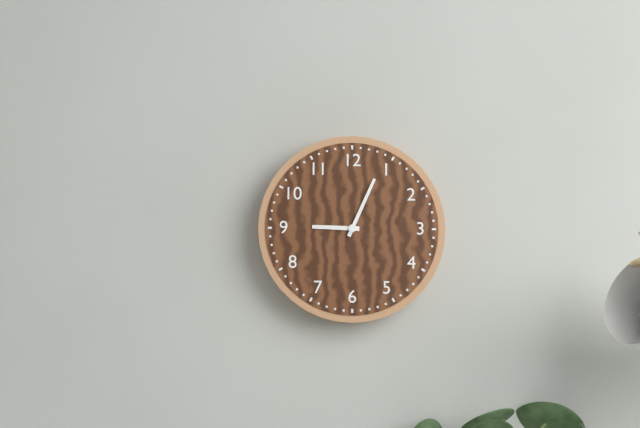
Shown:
**9:04**
